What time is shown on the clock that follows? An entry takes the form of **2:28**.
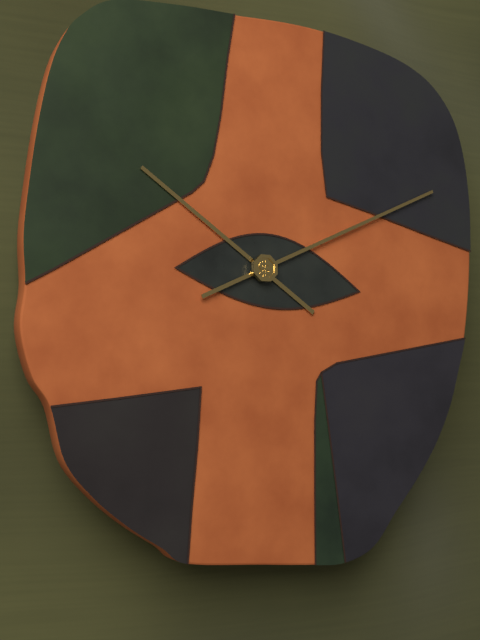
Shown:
**10:11**
